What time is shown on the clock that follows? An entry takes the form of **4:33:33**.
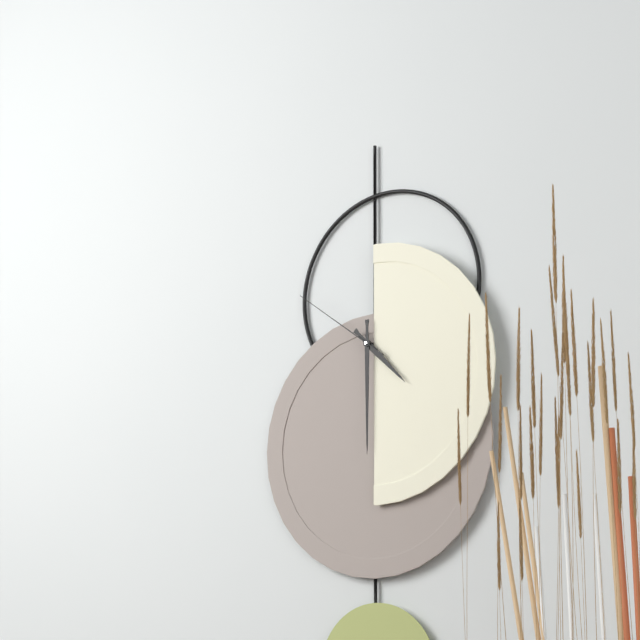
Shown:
**4:30:51**
